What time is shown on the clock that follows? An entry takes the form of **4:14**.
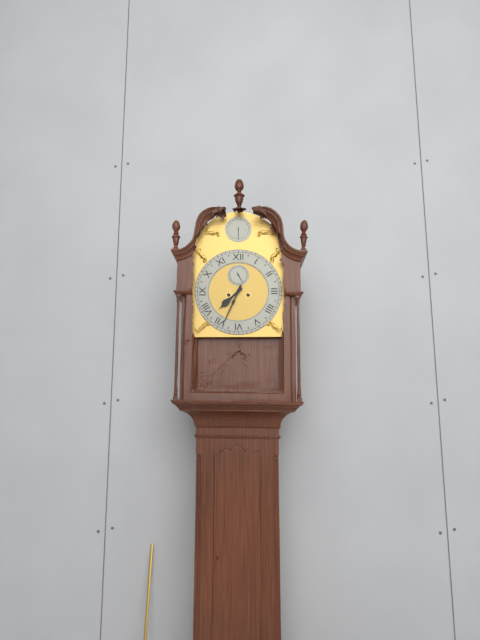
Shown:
**7:34**
